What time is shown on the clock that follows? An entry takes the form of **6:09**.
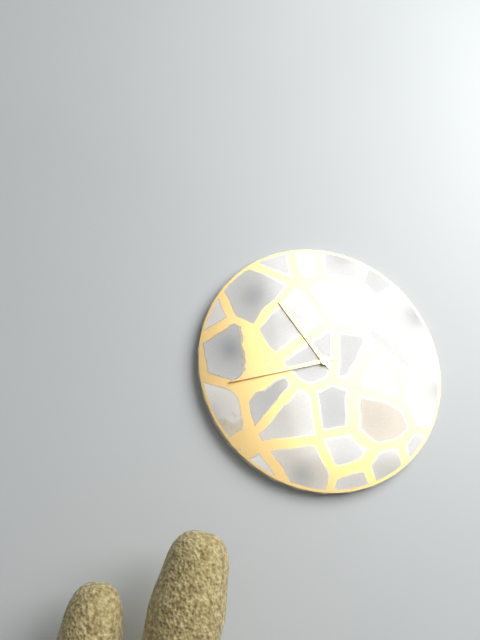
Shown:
**10:42**
